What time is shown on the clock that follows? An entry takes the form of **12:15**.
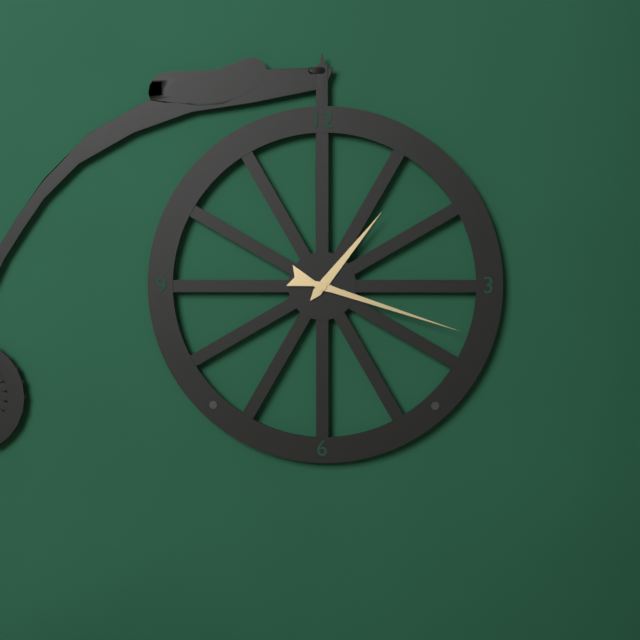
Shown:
**1:18**
